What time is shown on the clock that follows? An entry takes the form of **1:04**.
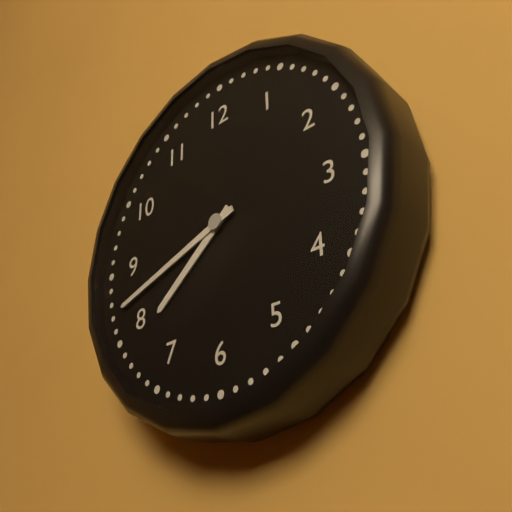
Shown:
**7:42**
